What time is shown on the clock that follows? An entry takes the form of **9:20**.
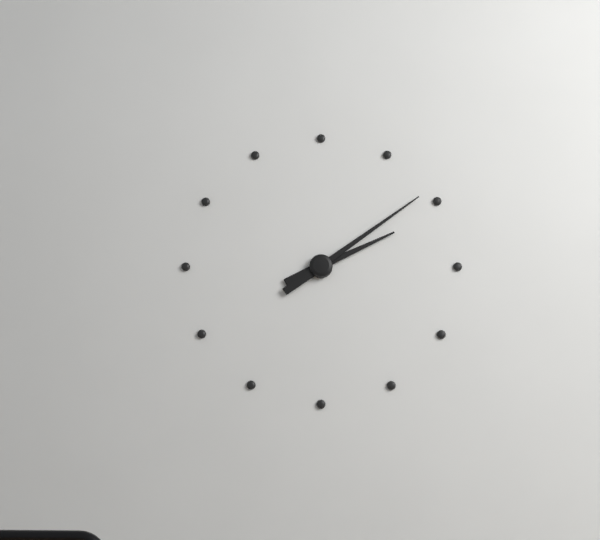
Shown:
**2:09**
